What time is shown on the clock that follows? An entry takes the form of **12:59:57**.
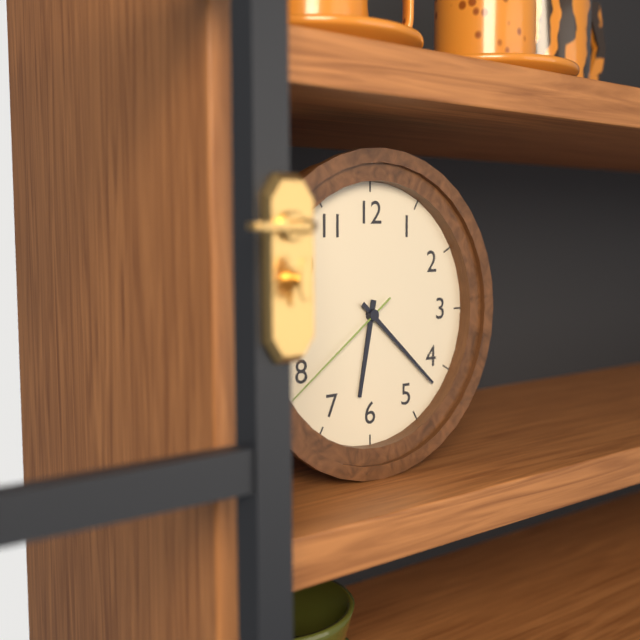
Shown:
**6:22:39**
